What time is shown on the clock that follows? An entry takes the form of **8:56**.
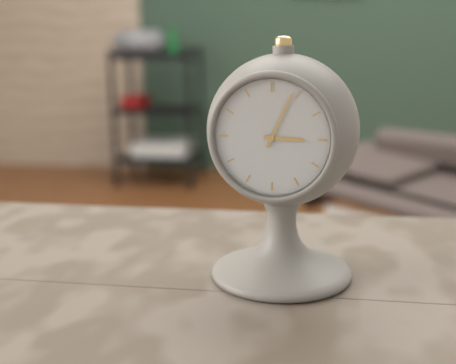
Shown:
**3:04**
